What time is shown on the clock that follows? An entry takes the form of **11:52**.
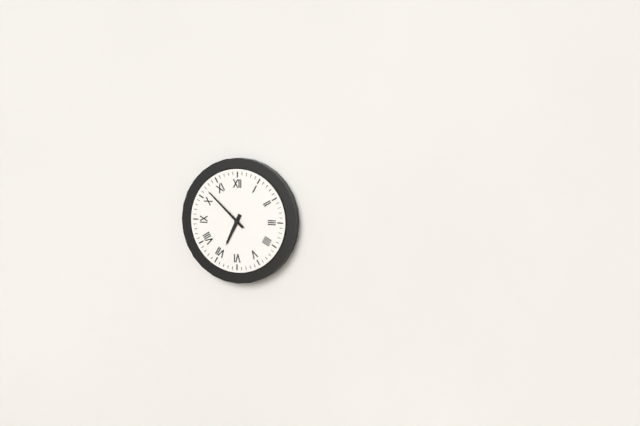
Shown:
**6:52**
